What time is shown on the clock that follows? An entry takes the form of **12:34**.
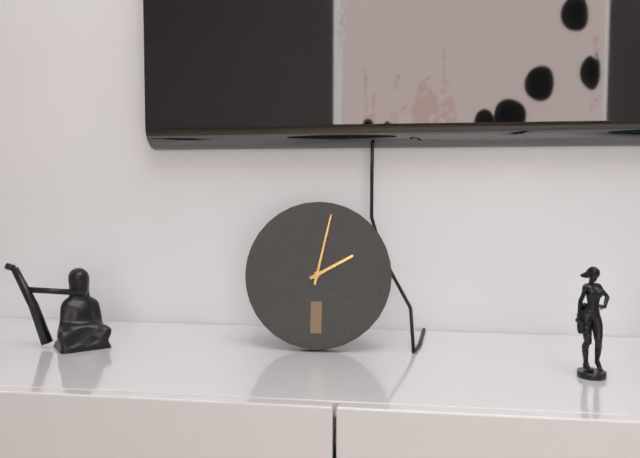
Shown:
**2:02**
